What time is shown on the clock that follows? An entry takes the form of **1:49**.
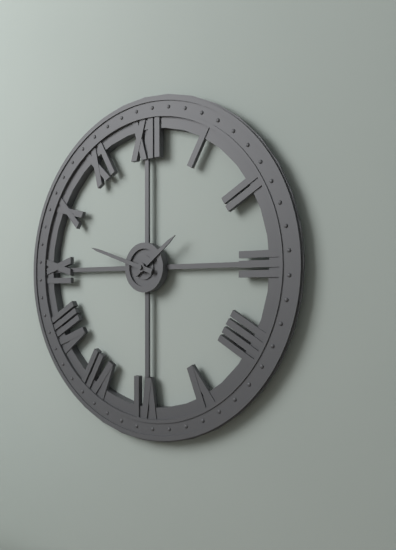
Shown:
**1:48**
